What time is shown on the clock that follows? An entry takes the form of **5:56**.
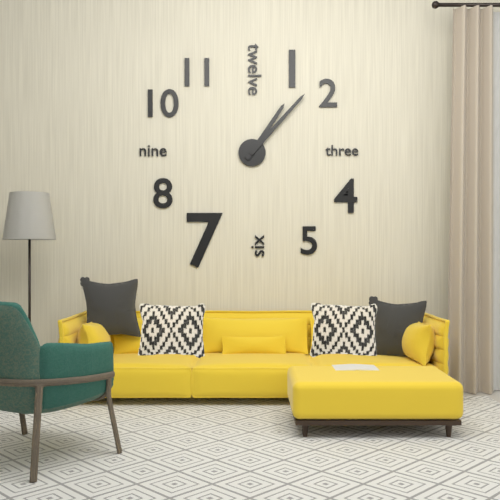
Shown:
**1:07**
